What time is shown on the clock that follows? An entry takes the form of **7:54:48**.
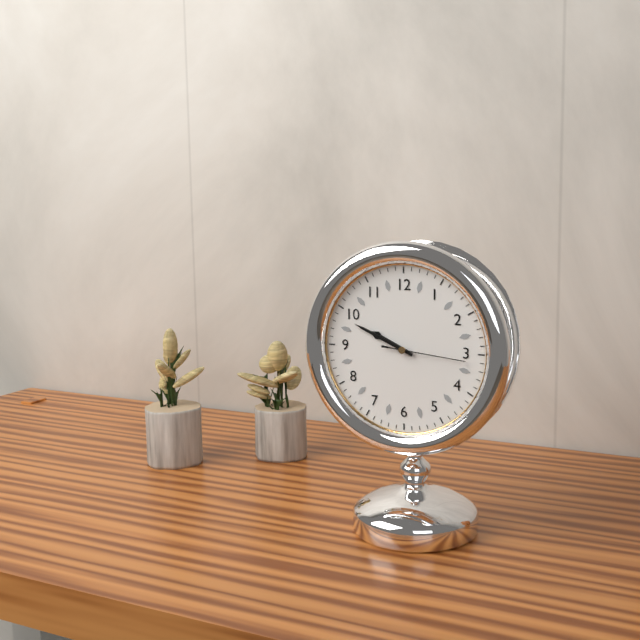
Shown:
**9:49:16**
